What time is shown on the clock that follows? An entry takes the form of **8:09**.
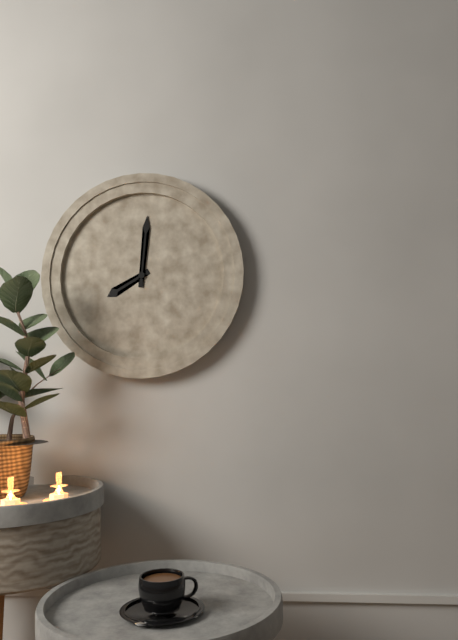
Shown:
**8:01**
